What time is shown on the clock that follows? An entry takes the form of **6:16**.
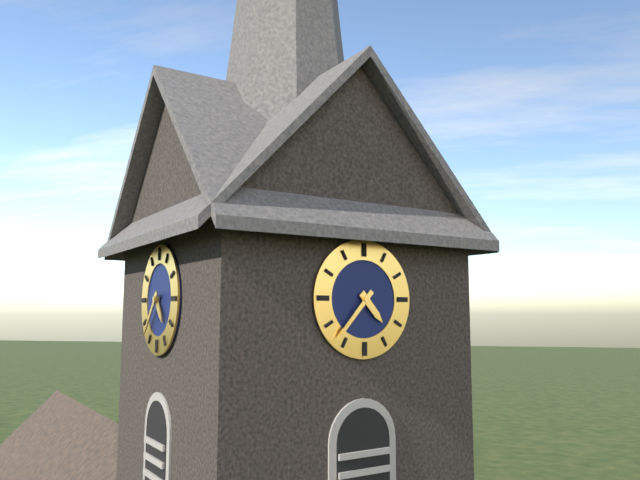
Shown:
**4:37**
